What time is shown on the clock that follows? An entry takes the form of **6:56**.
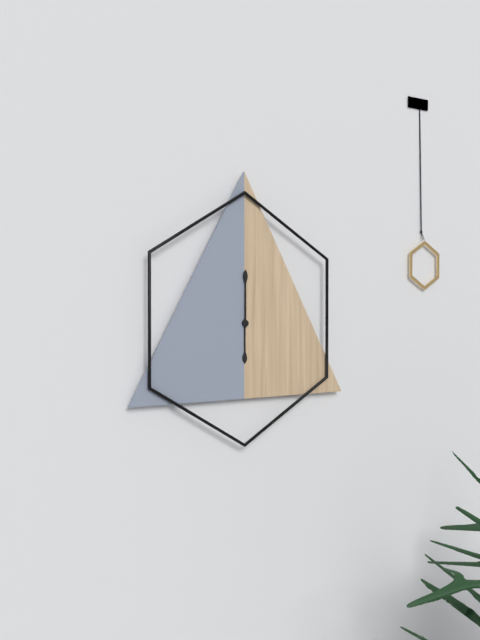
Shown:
**6:00**
